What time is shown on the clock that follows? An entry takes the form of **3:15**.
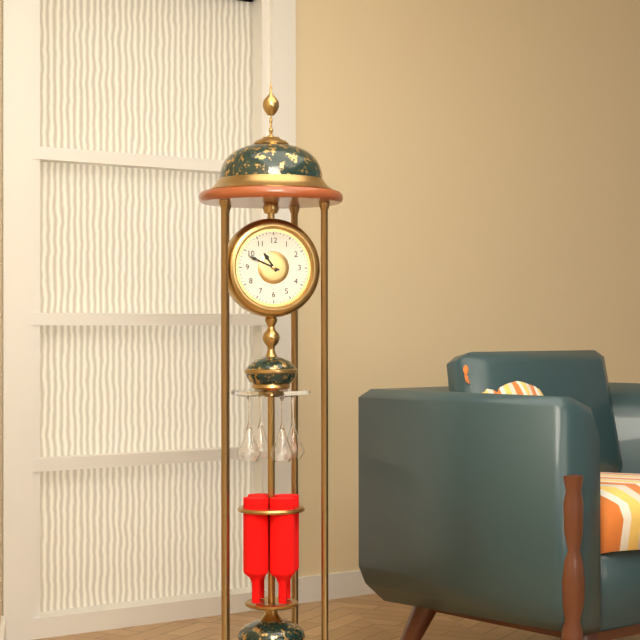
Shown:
**10:49**
